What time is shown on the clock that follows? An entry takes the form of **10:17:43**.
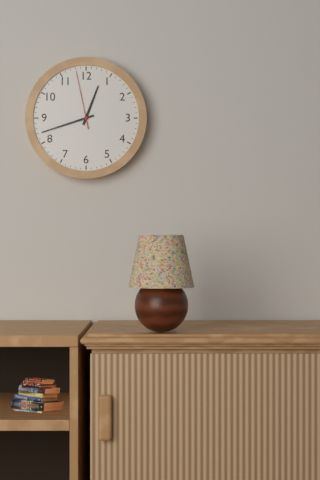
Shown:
**12:42:58**
